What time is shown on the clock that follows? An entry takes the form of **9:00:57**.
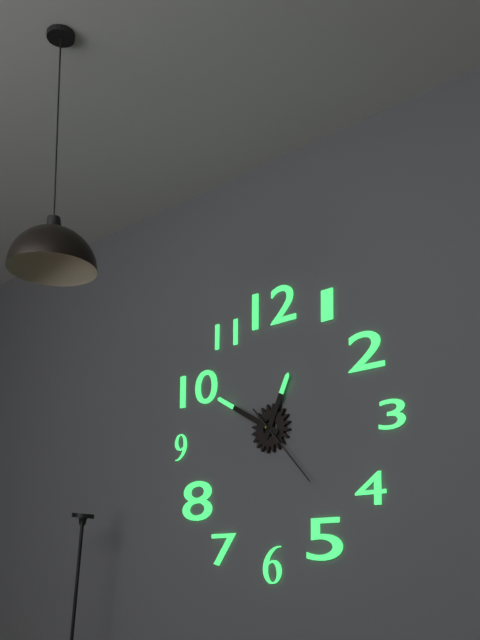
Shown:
**12:50:23**
